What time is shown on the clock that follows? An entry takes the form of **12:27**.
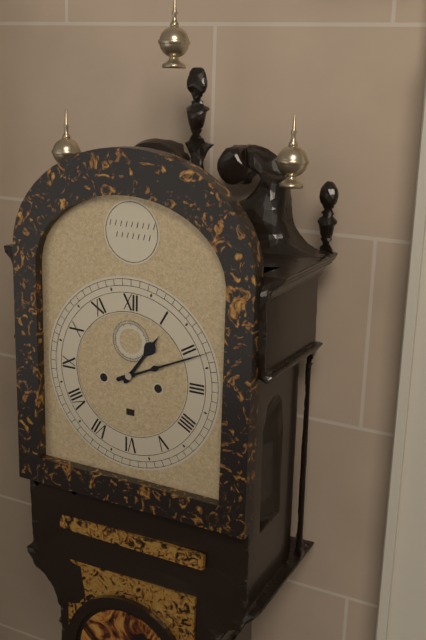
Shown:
**1:11**
